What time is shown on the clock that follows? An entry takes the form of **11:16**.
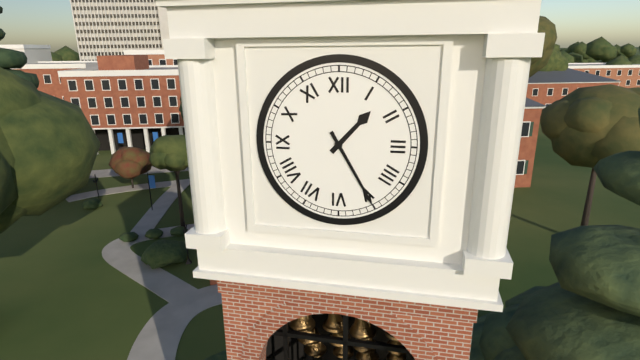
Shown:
**1:25**
